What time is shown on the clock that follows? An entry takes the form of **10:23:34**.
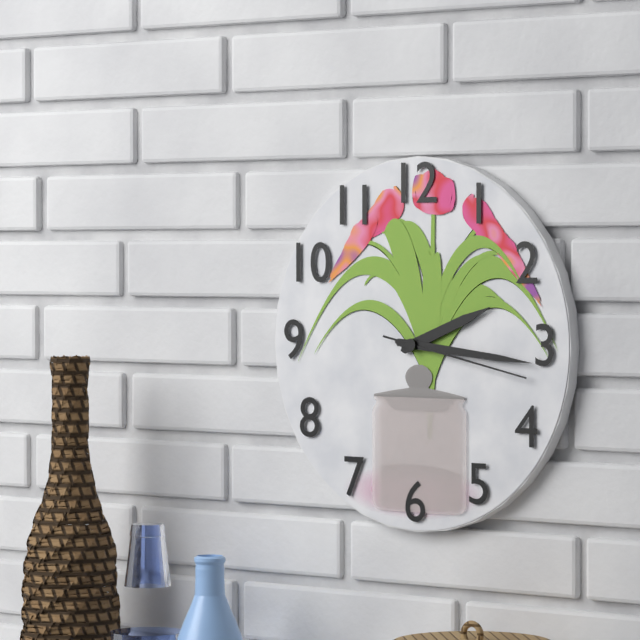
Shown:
**2:16:17**
